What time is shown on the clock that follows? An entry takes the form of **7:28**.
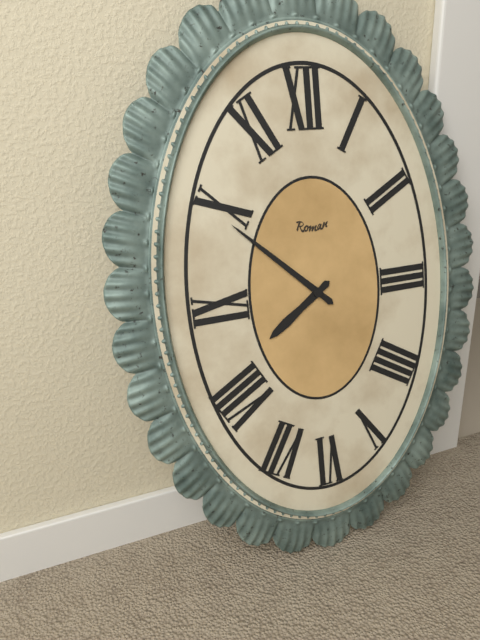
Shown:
**7:52**
